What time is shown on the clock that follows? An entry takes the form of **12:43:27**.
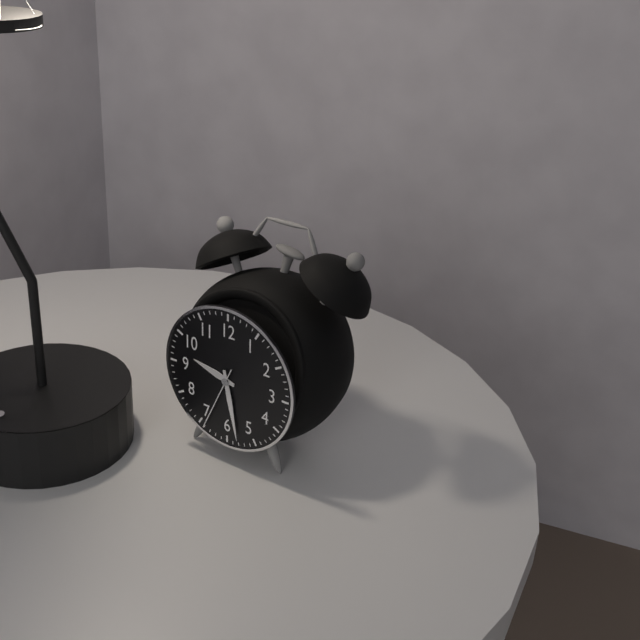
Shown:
**9:28:34**
